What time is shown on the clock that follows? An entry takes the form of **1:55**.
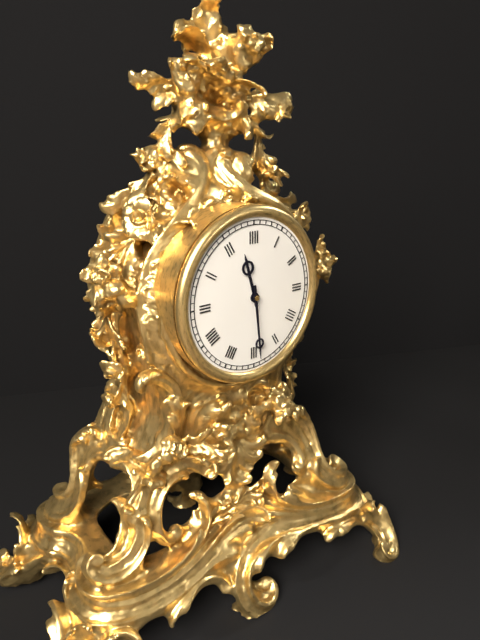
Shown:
**11:29**
